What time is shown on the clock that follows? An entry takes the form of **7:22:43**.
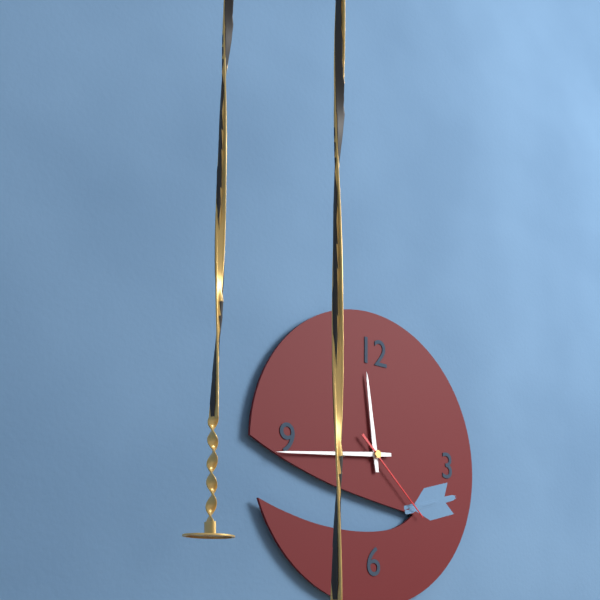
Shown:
**11:44:22**
